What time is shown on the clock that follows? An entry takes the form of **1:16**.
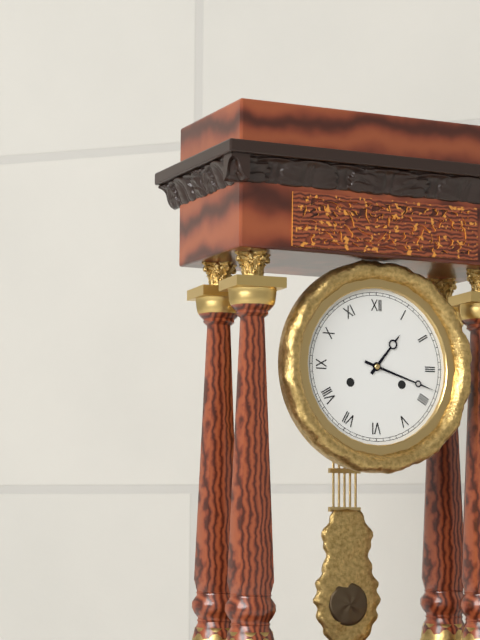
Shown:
**1:18**
